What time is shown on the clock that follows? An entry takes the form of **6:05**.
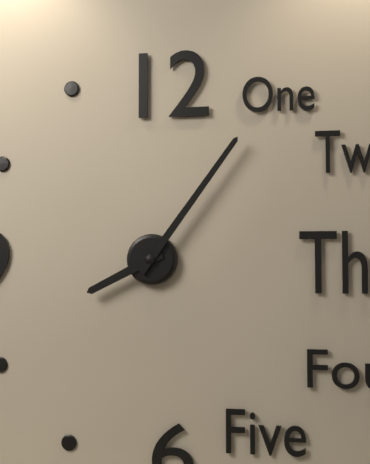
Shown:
**8:06**
